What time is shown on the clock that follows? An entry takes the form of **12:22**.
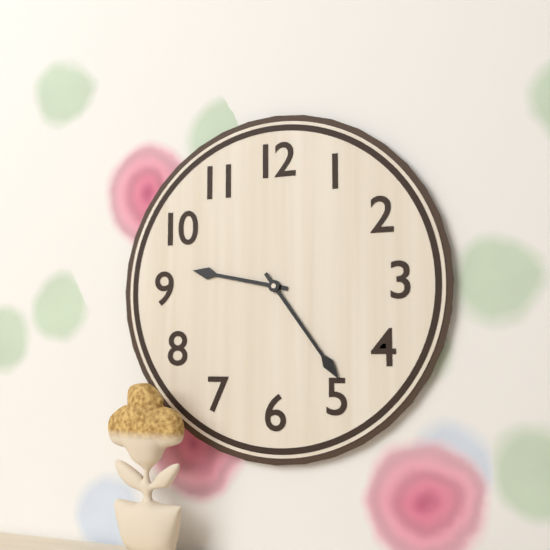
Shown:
**9:24**
